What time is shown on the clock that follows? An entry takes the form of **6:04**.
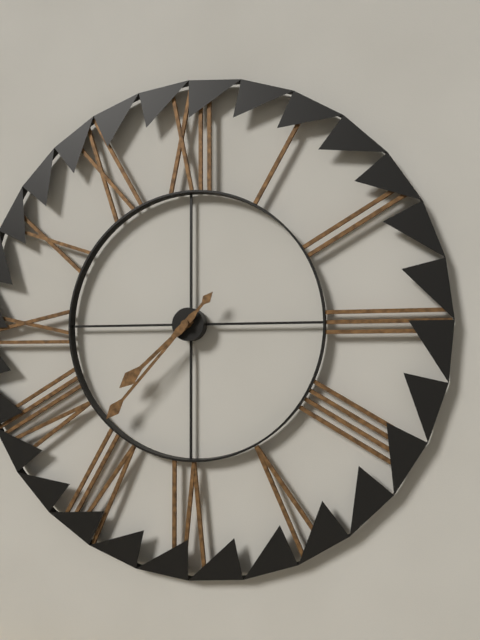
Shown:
**7:37**
